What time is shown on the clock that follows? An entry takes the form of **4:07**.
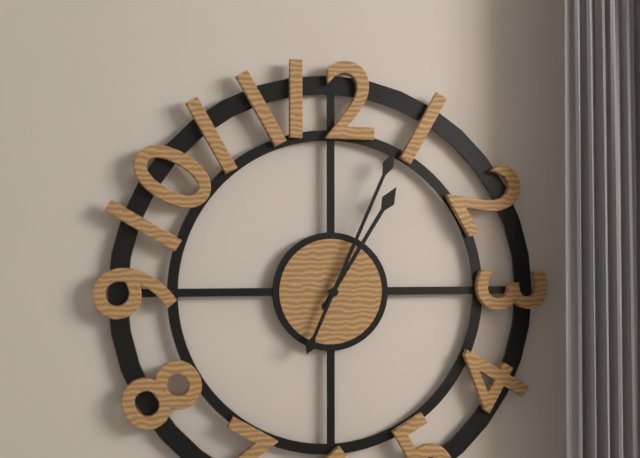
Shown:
**1:04**
